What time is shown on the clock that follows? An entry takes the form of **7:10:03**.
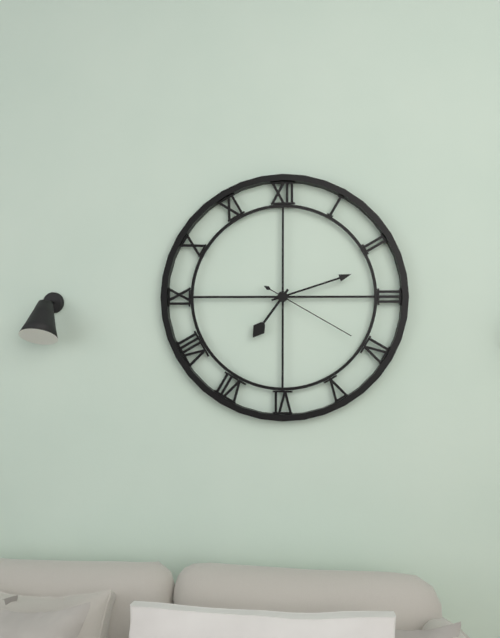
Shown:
**7:12:20**
